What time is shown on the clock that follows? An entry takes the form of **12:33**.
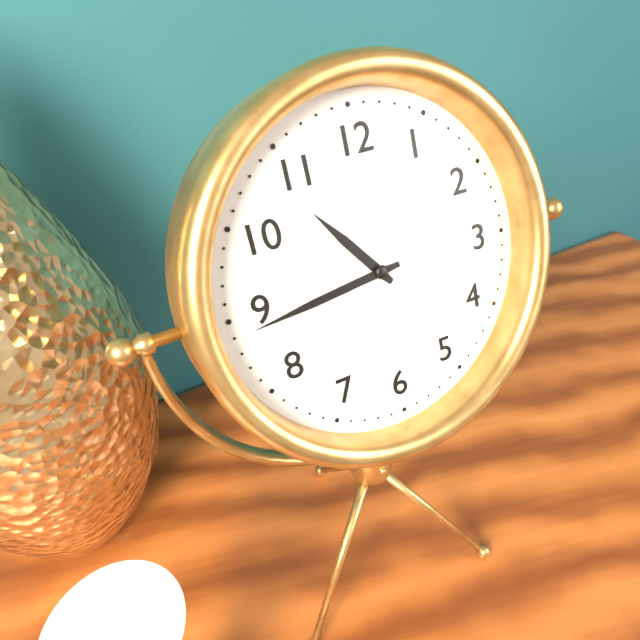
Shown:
**10:44**
